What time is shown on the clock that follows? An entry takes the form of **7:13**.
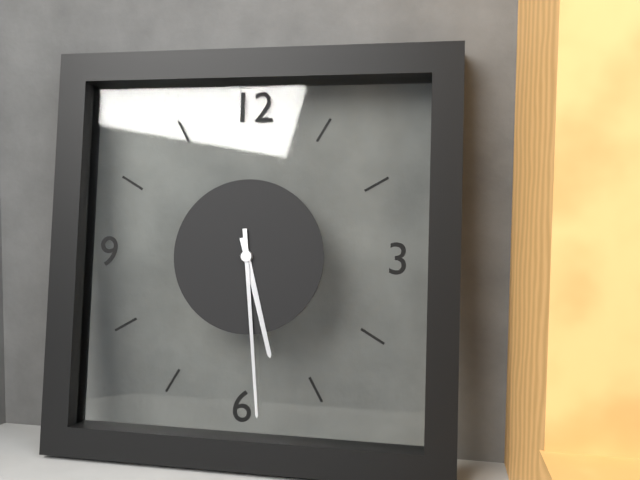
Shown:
**5:29**
